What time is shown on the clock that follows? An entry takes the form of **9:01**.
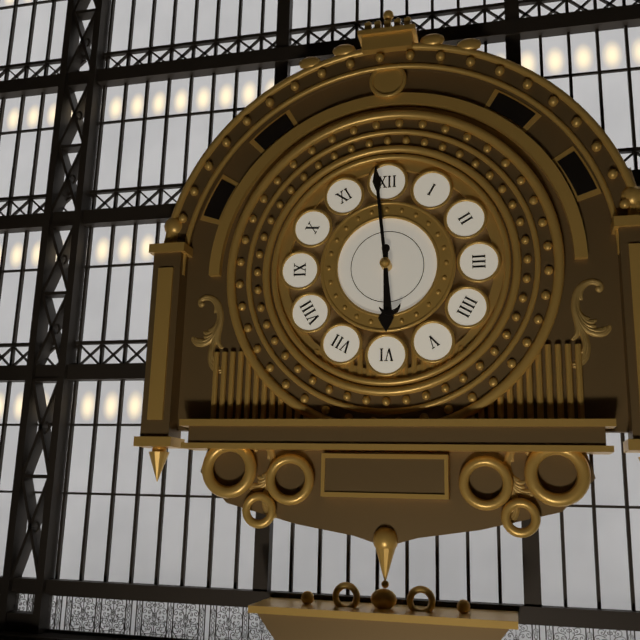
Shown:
**5:59**
